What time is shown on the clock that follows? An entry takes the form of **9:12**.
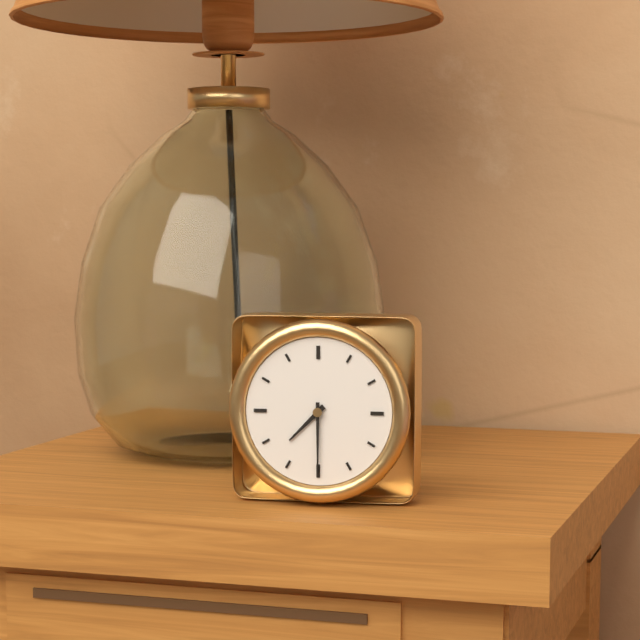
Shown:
**7:30**
